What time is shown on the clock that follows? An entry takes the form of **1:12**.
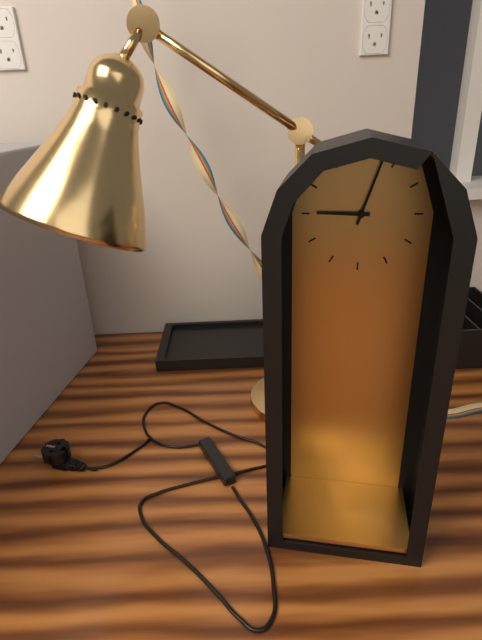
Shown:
**9:03**
